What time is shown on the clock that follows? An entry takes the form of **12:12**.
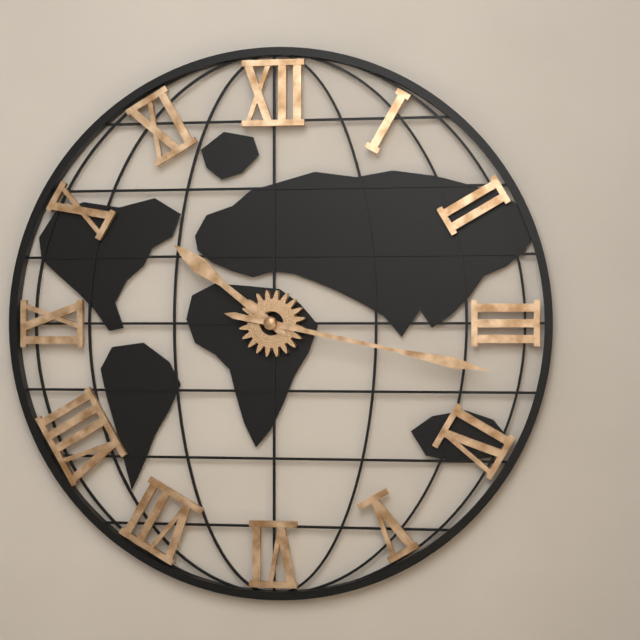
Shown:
**10:17**
